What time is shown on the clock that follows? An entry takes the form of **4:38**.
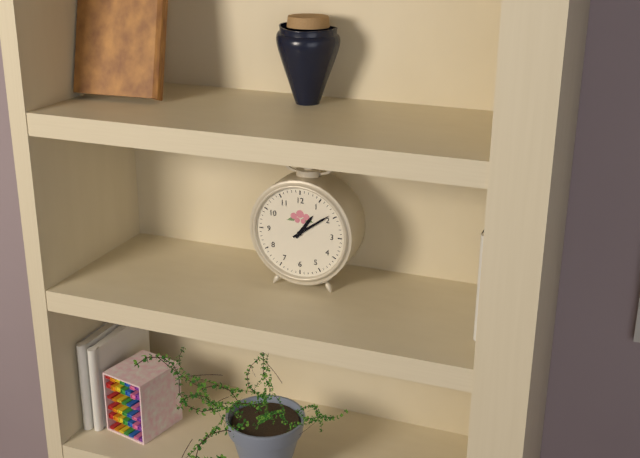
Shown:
**1:09**
